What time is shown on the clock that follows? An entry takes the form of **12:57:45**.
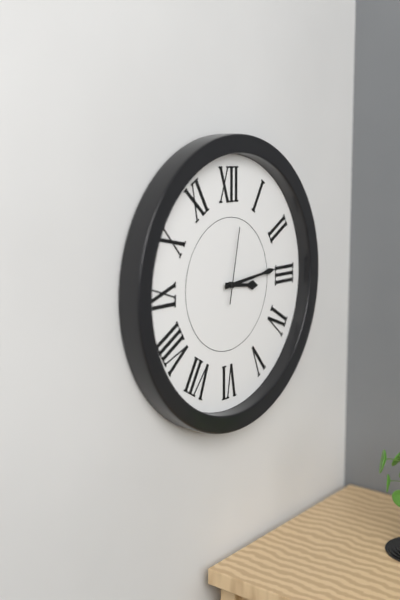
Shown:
**3:14:02**
